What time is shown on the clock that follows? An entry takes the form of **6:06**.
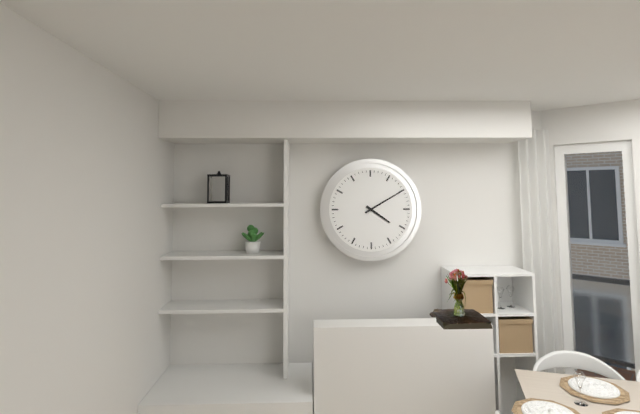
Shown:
**4:10**
